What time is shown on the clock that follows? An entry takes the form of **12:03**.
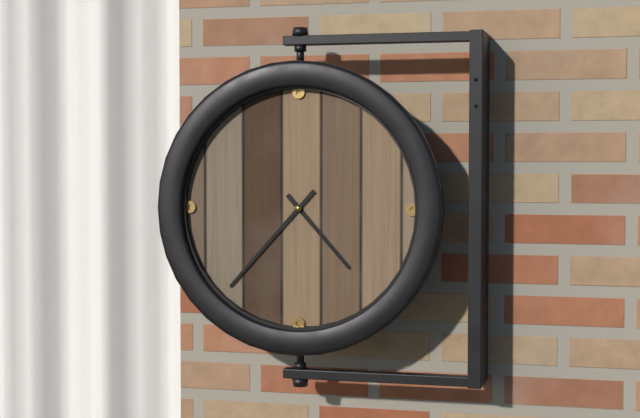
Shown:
**4:37**
